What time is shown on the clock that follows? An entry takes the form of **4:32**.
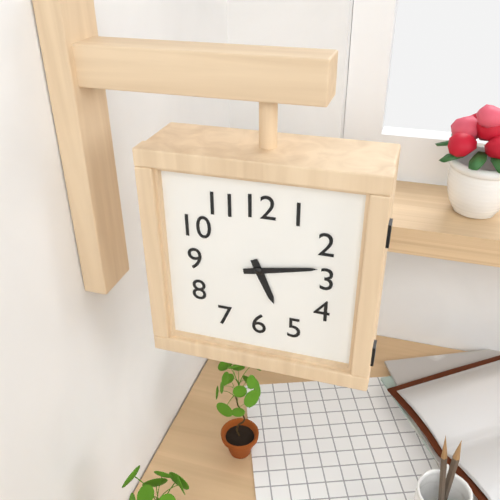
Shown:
**5:13**
